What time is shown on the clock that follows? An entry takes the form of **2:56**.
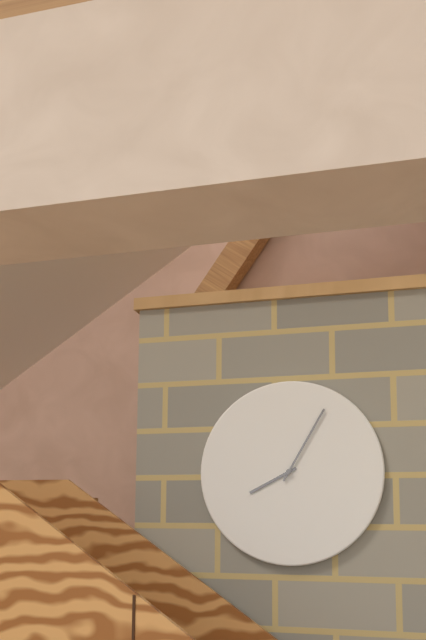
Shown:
**8:05**
